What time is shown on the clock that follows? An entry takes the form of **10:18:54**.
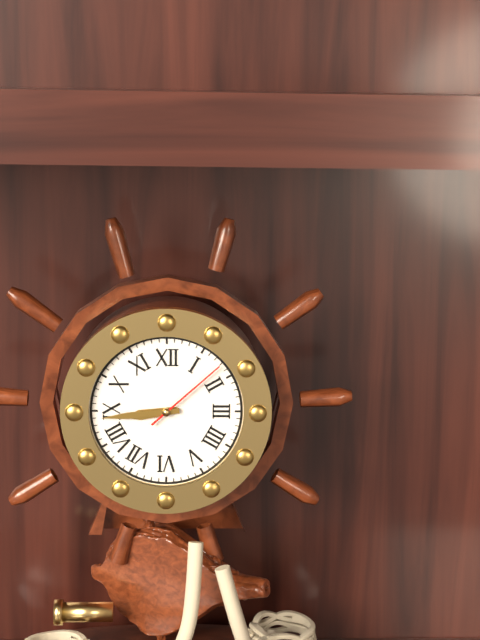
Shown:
**8:44:08**
